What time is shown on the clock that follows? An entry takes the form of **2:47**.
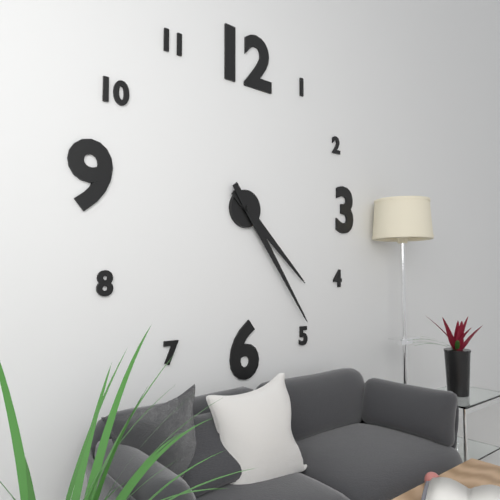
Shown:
**4:24**
